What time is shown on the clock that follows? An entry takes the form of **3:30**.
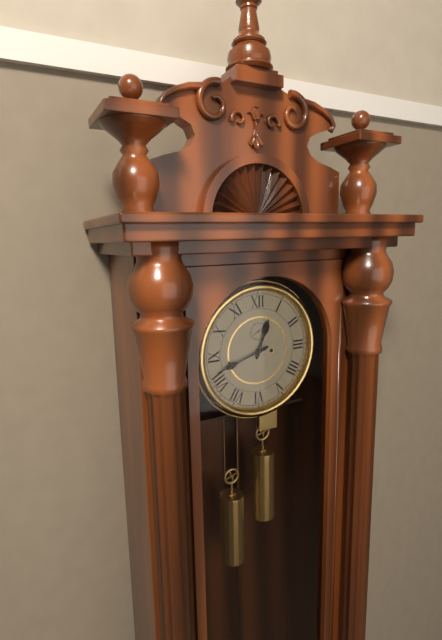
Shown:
**12:42**
